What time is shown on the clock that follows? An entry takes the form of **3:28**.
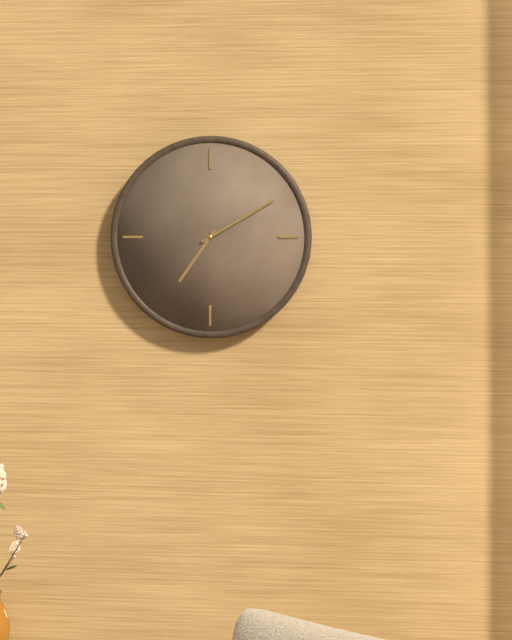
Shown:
**7:10**
